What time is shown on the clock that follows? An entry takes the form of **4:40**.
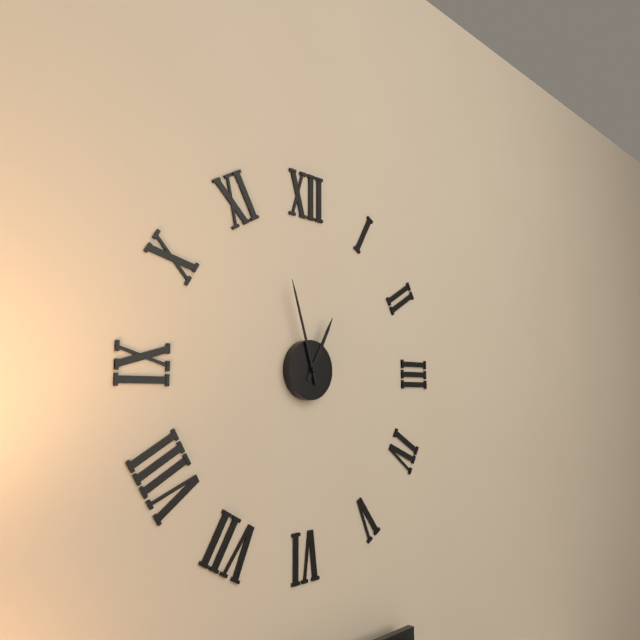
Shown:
**12:57**
